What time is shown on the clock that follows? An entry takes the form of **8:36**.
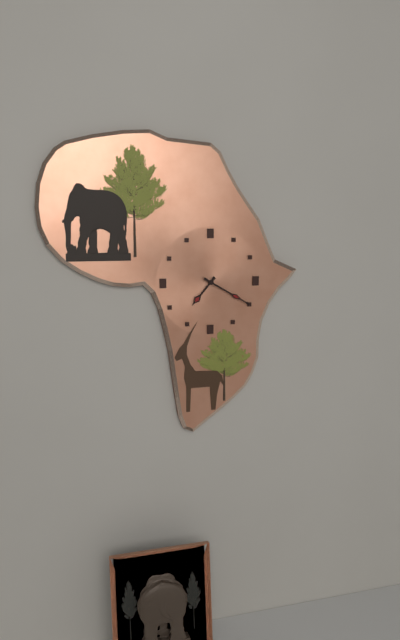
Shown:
**7:20**
